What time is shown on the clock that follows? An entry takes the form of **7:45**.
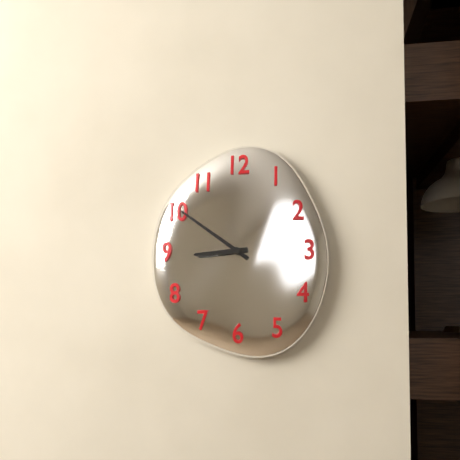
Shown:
**8:51**
